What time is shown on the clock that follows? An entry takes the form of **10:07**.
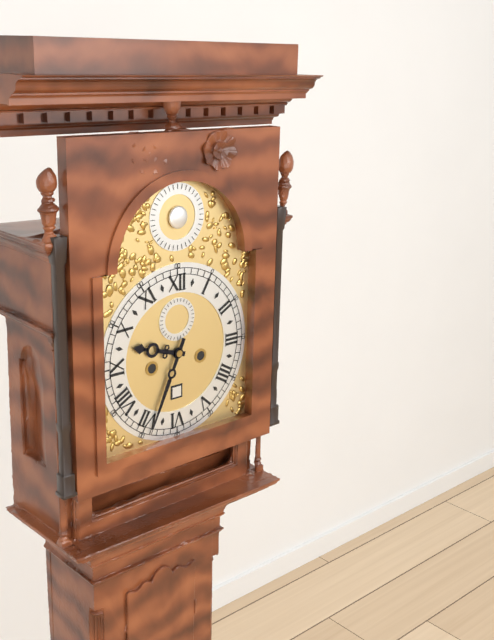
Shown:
**9:34**
